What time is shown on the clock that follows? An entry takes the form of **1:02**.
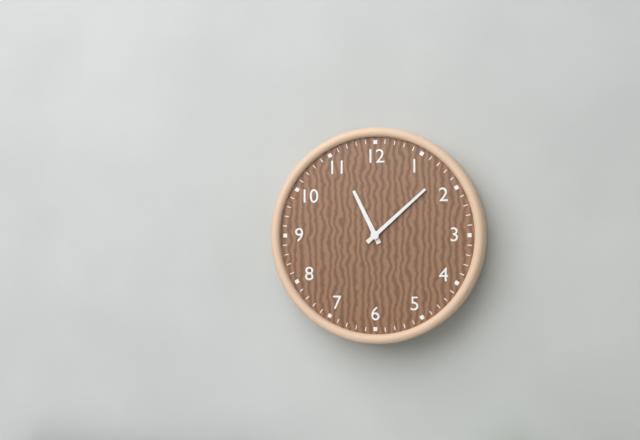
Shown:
**11:08**
